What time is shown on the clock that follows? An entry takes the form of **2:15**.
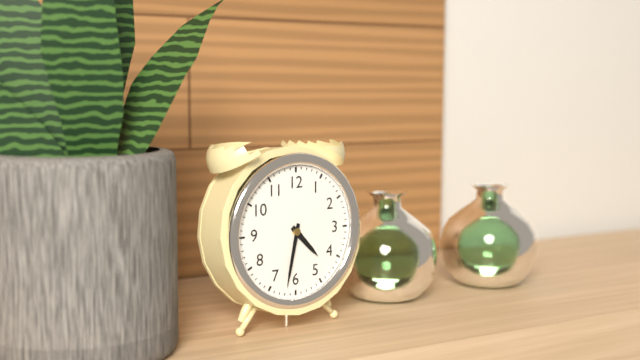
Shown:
**4:32**
